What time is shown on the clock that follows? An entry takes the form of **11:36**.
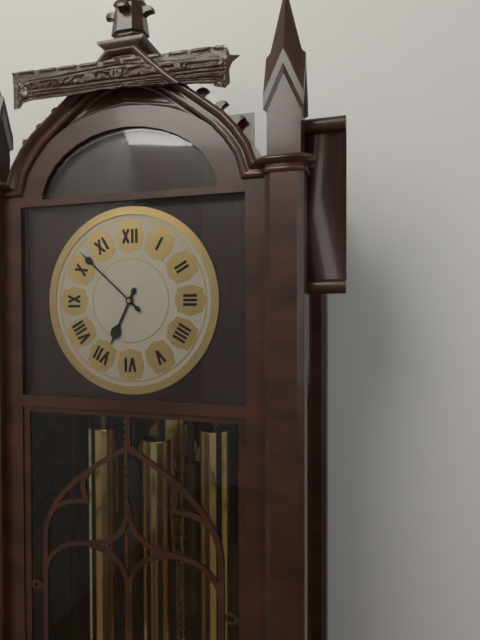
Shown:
**6:52**
